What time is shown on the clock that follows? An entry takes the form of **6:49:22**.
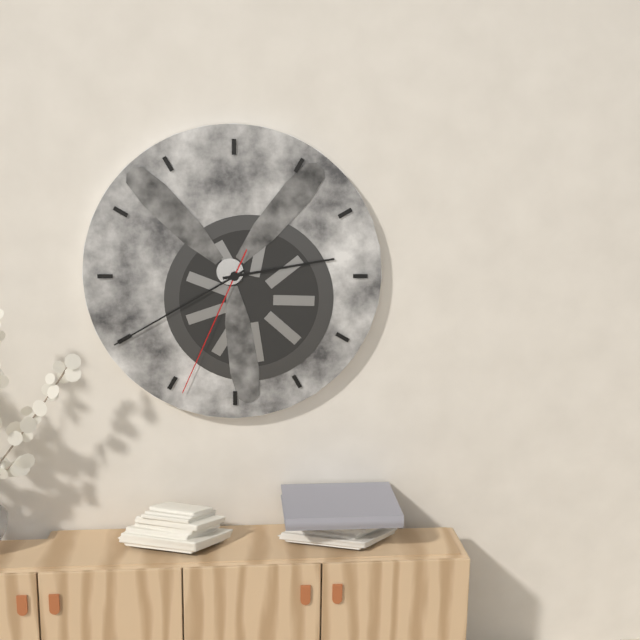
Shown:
**2:40:34**
